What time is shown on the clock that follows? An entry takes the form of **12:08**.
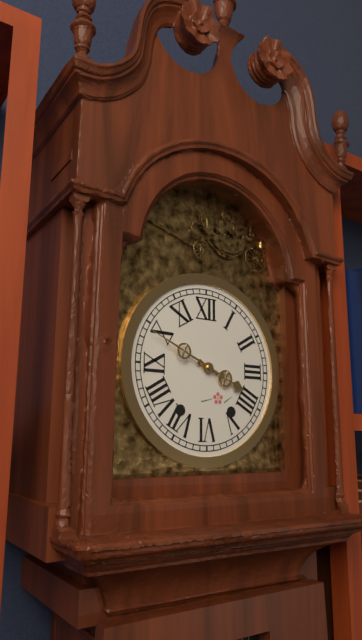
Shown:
**3:49**
